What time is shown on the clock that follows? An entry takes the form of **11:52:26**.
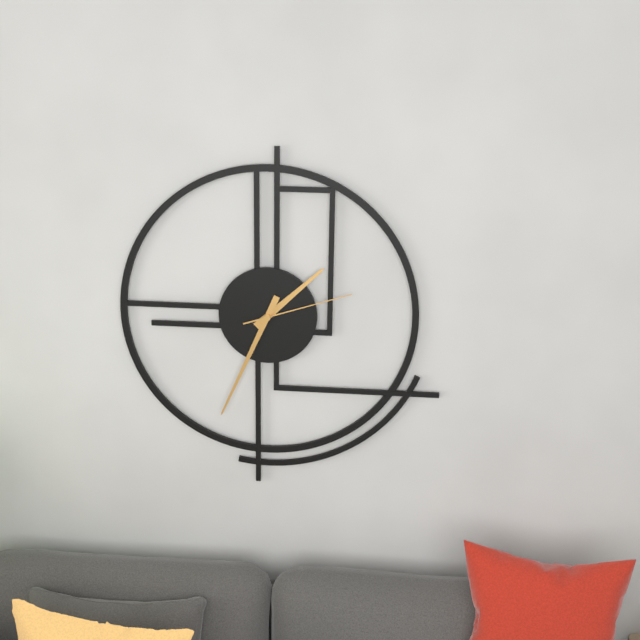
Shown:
**1:34:12**
